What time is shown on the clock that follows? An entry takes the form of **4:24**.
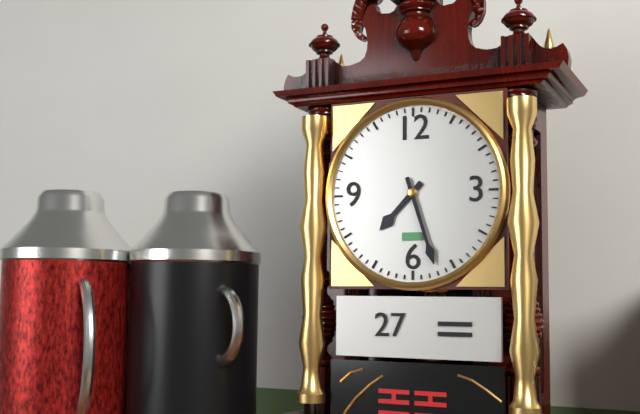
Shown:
**7:27**
